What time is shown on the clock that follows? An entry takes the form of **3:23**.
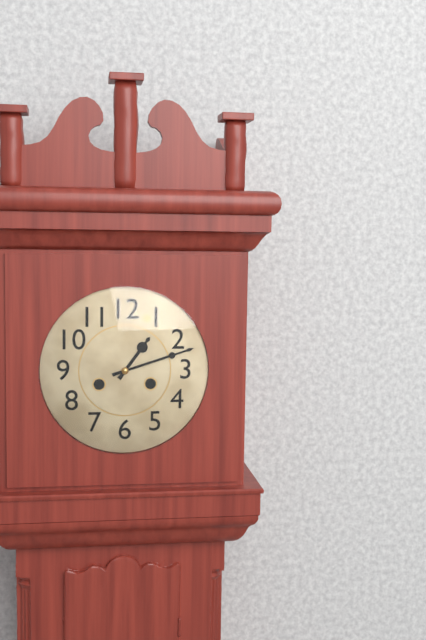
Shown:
**1:12**
